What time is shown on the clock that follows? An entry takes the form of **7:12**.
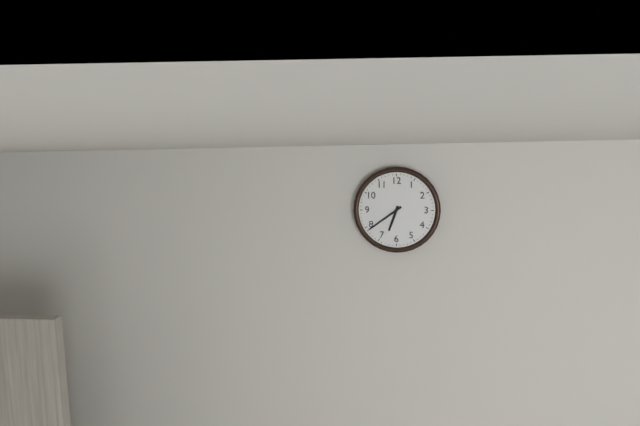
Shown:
**6:39**
